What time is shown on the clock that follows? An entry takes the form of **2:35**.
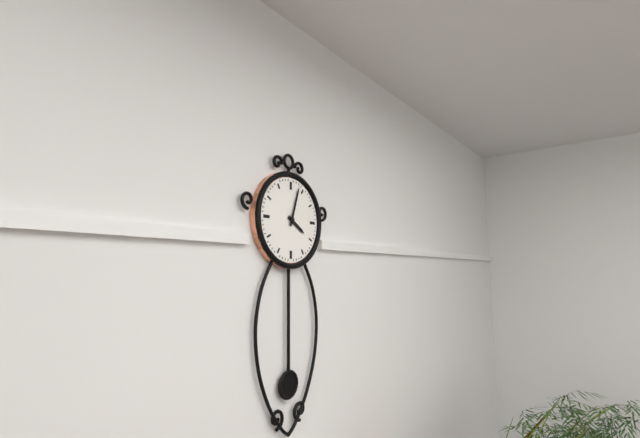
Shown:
**4:03**
